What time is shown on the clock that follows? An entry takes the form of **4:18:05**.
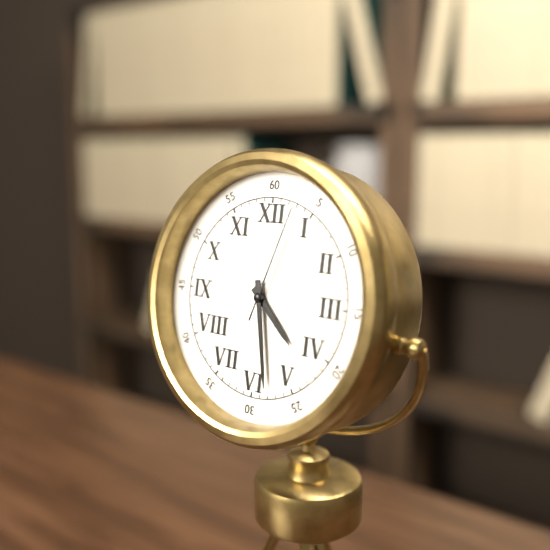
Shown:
**4:28:03**
